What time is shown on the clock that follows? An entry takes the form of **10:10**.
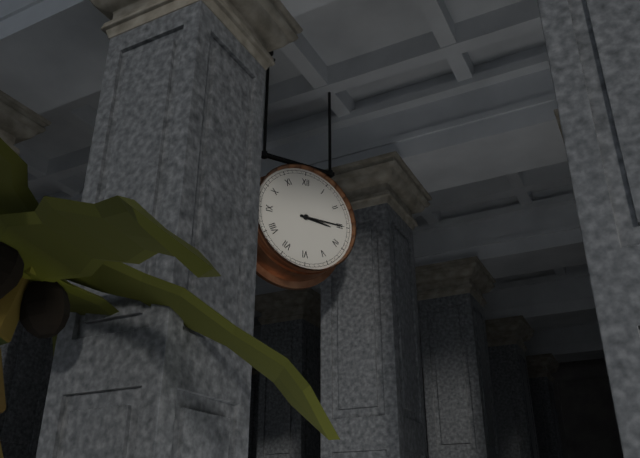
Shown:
**3:15**
